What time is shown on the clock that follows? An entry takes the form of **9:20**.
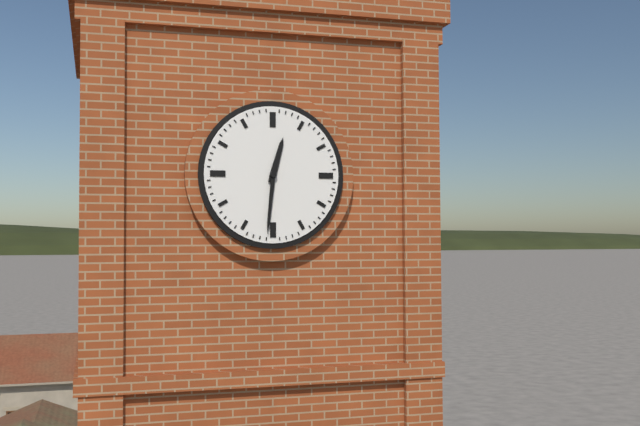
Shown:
**12:31**
